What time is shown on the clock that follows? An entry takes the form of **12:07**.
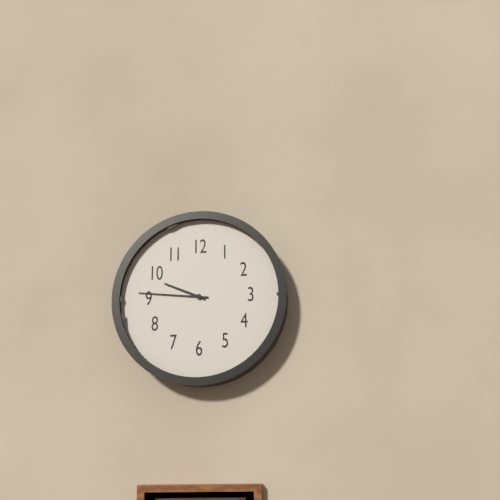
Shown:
**9:46**
